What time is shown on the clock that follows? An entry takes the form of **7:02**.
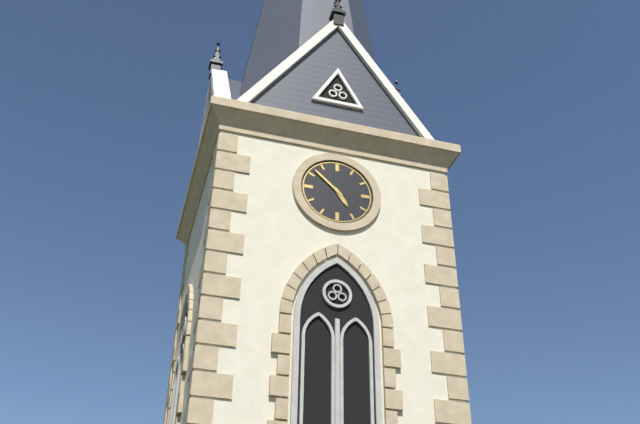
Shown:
**4:52**
